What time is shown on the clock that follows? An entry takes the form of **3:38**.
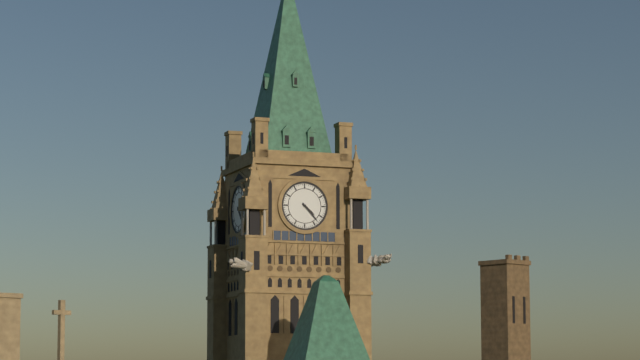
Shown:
**4:23**
